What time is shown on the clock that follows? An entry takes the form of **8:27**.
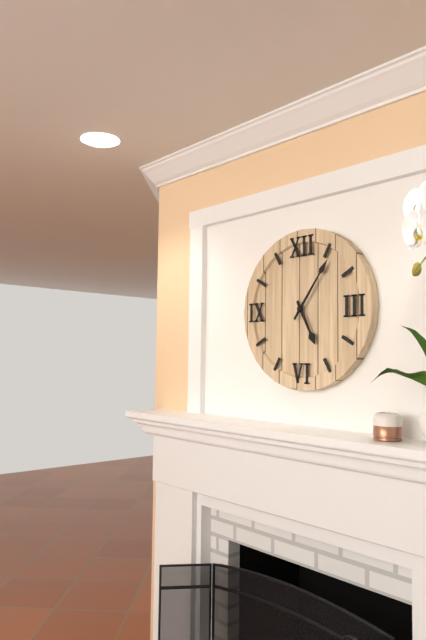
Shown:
**5:06**
